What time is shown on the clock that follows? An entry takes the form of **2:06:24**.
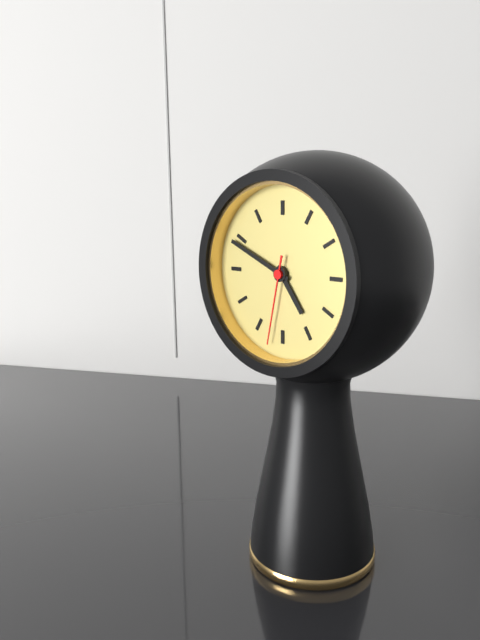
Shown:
**4:49:32**
